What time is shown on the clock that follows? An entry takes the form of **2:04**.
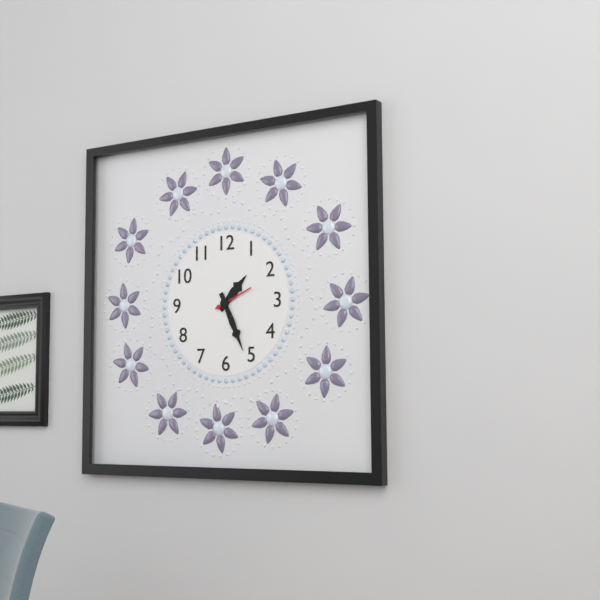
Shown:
**1:26**
